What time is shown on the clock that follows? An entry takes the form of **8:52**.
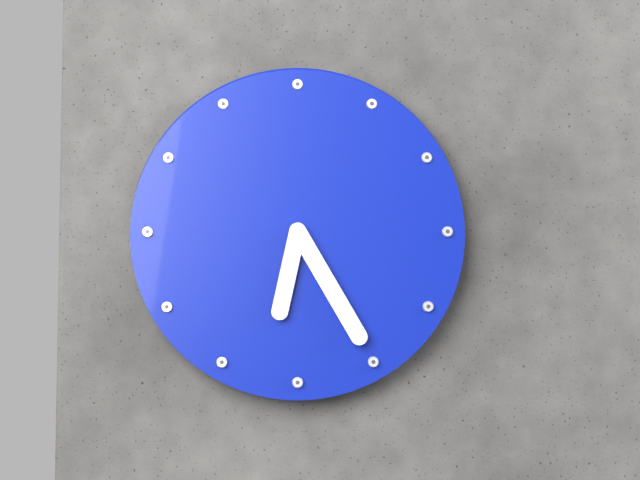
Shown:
**6:25**
